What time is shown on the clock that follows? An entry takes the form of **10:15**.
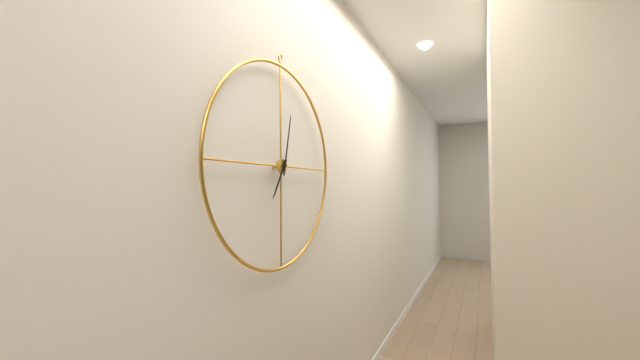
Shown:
**7:02**
